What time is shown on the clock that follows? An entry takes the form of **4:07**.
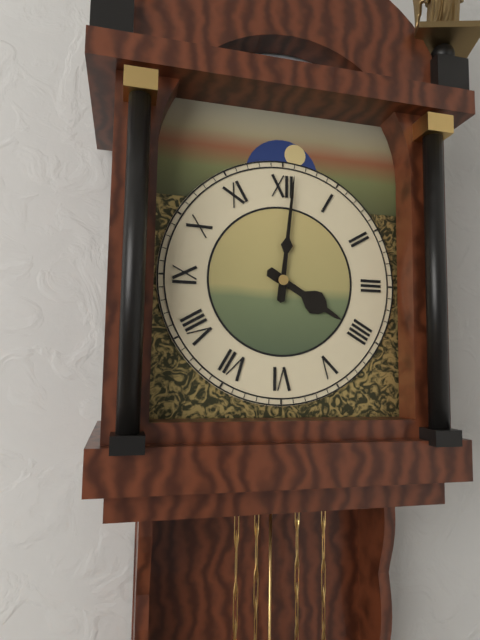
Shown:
**4:01**
